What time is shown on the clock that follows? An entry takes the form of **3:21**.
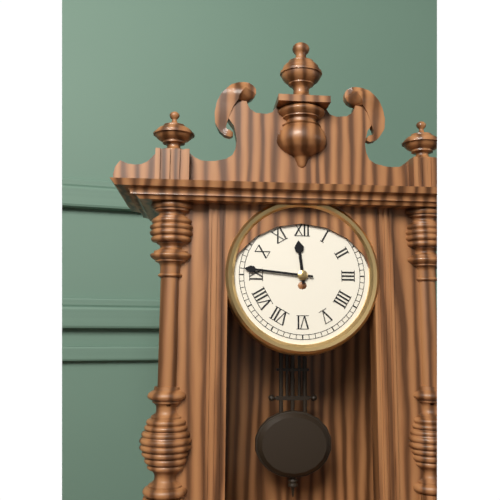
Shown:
**11:46**
